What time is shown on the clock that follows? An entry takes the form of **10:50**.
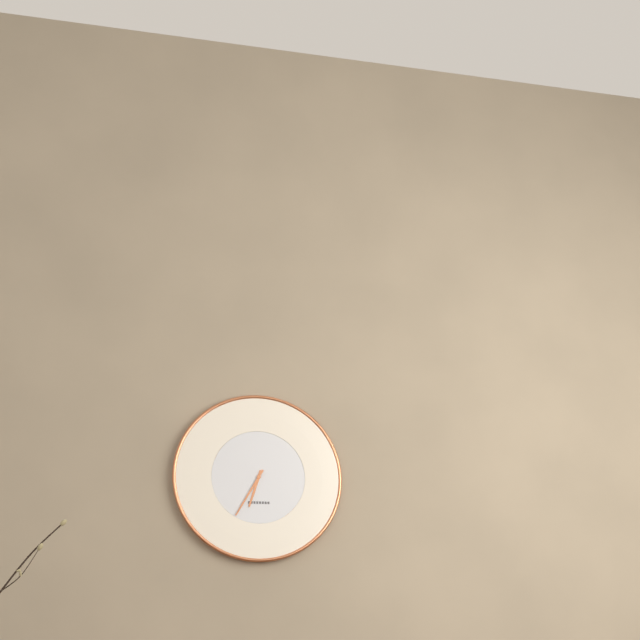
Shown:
**6:35**
